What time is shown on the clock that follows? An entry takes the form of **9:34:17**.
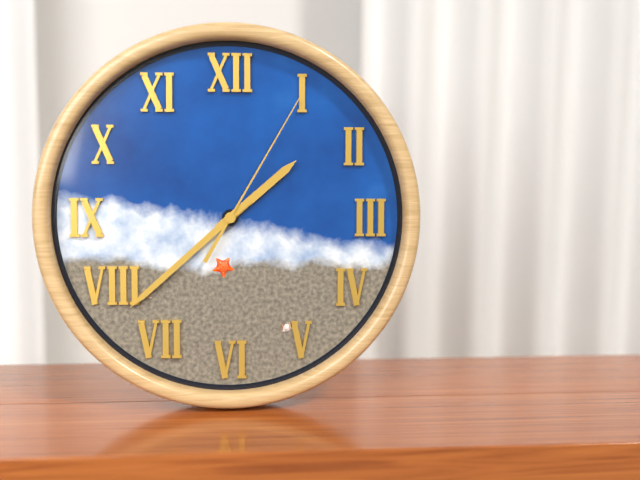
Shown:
**1:38:05**
